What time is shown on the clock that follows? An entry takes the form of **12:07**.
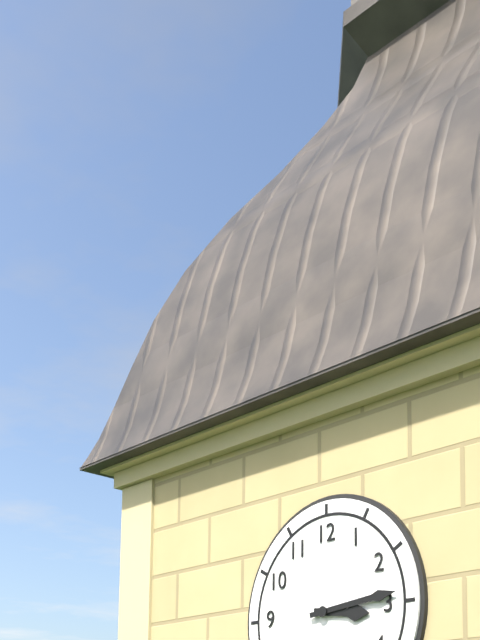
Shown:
**3:14**
